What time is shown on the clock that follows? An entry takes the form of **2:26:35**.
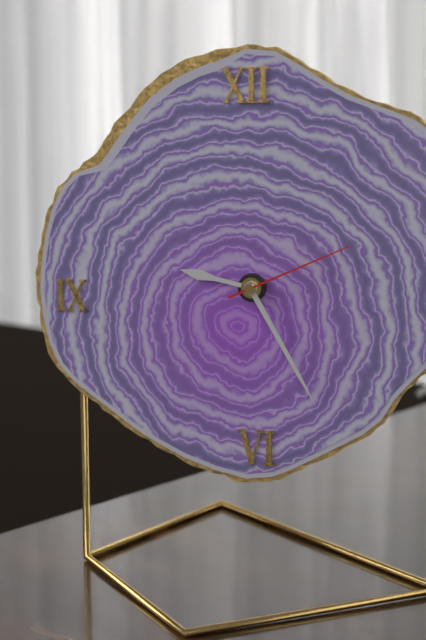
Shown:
**9:25:11**
